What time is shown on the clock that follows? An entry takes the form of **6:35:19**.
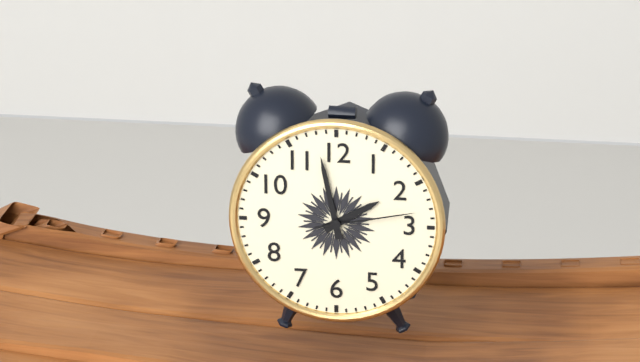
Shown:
**1:58:13**
